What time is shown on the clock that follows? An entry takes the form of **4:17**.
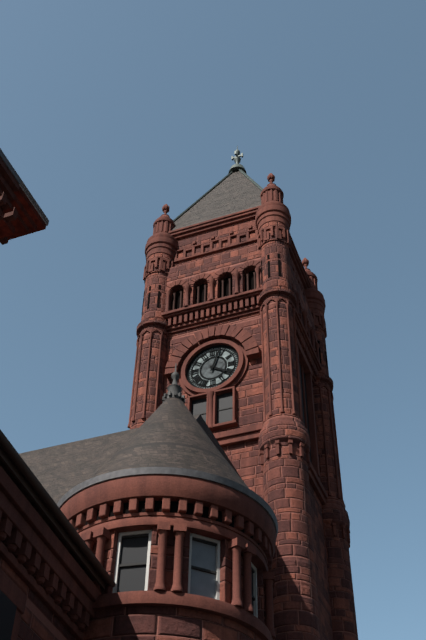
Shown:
**4:03**
